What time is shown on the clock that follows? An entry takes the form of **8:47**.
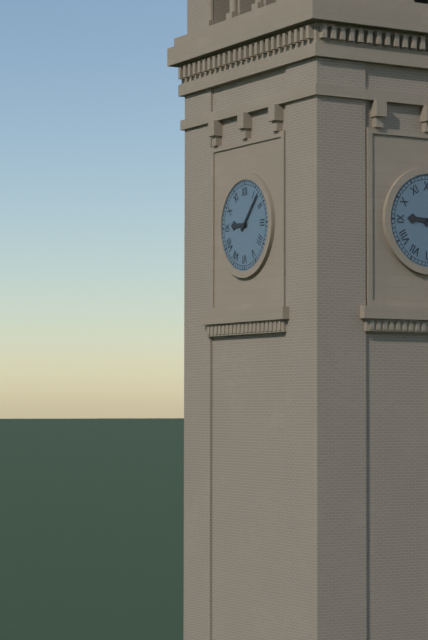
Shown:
**9:07**
